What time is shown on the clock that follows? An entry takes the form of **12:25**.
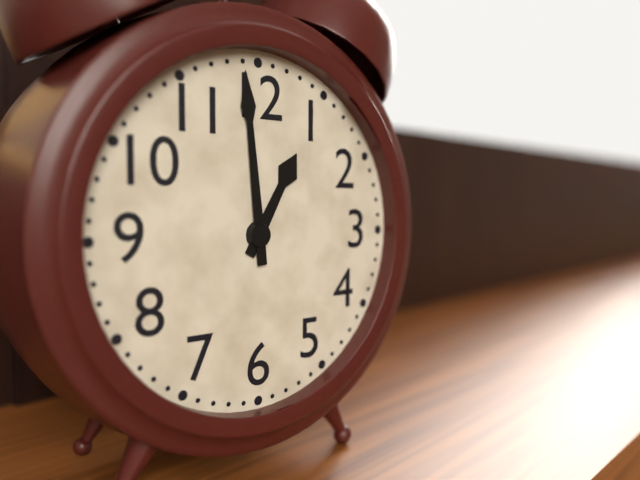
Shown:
**12:59**
